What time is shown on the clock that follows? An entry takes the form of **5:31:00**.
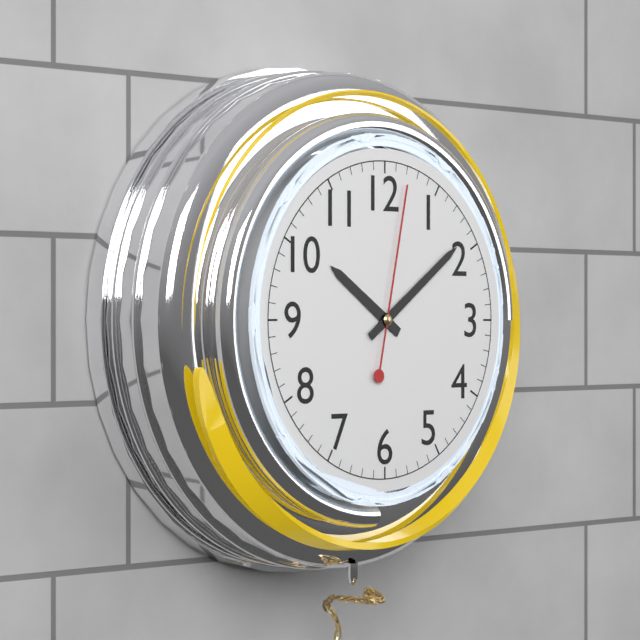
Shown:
**10:09:02**
